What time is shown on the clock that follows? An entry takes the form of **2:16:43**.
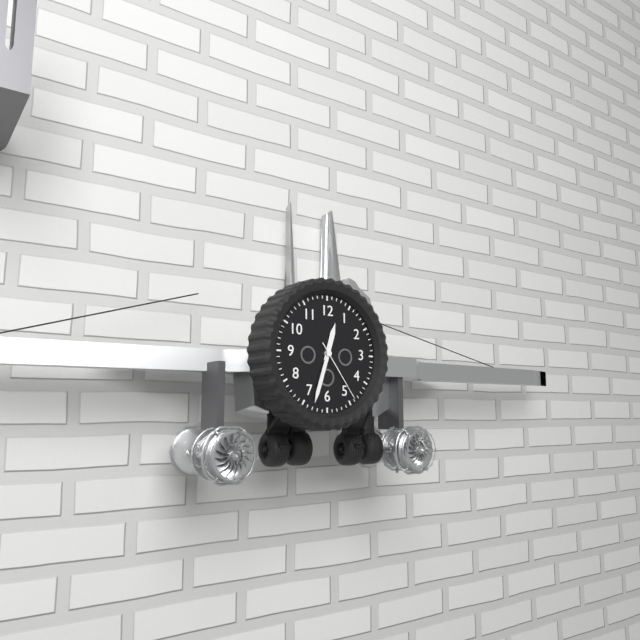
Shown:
**12:33:24**
